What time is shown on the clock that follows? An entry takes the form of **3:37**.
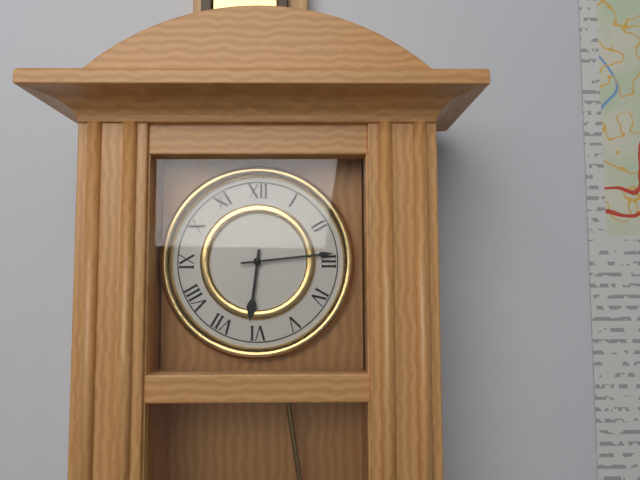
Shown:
**6:14**
